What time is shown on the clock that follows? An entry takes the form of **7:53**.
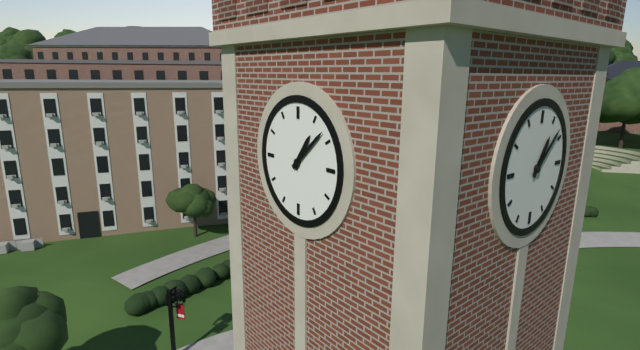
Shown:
**1:08**
